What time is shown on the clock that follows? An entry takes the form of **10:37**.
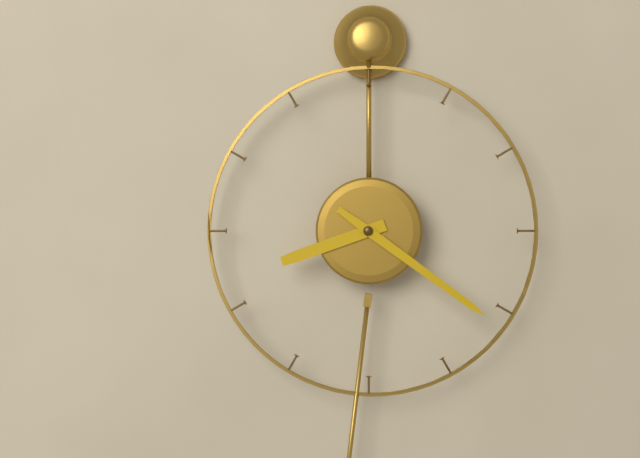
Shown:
**8:21**
